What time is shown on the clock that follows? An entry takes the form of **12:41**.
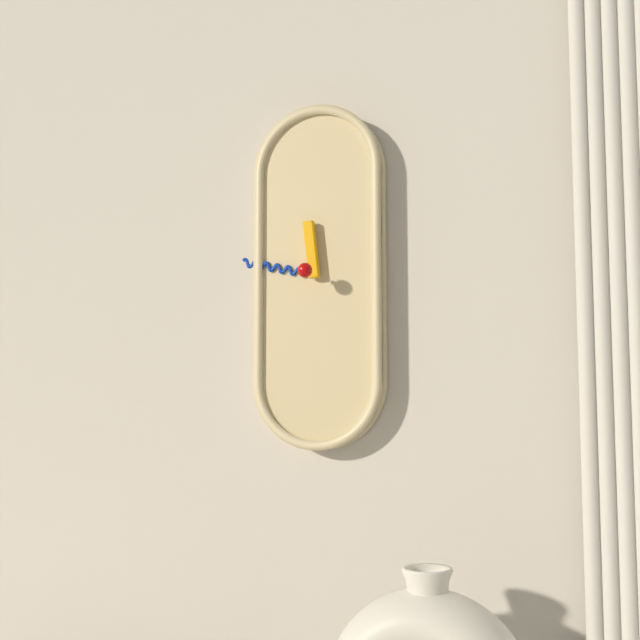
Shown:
**11:47**
